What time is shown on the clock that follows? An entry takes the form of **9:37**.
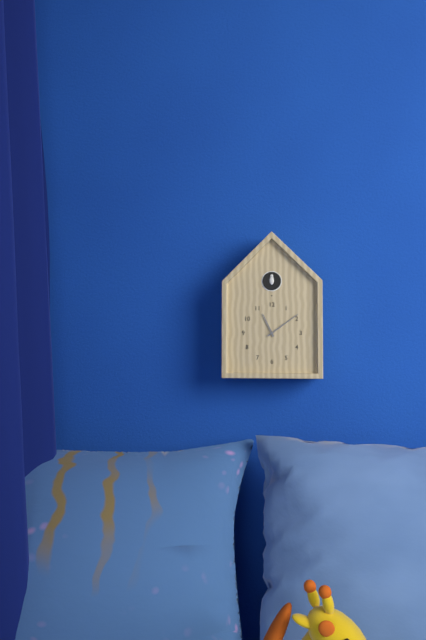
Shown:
**11:09**
